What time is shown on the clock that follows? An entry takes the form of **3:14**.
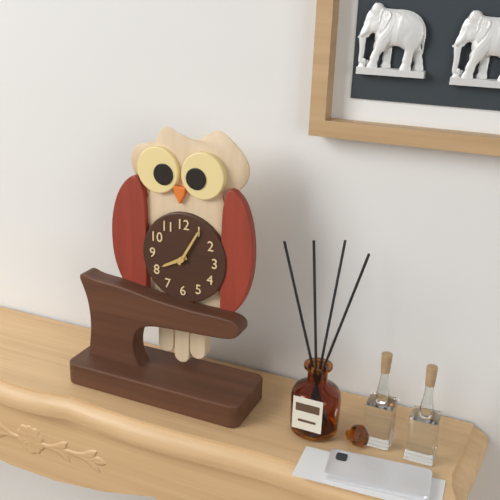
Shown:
**8:05**
